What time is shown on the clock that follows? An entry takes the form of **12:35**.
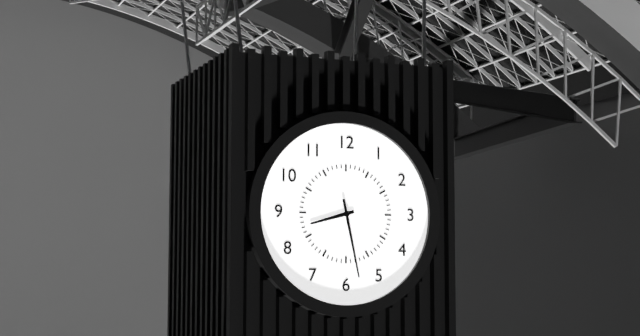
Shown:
**8:28**
